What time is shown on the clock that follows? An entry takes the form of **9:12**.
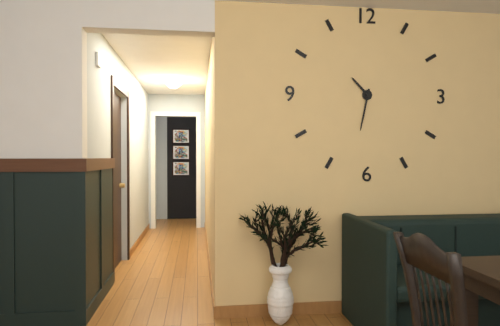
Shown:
**10:32**
